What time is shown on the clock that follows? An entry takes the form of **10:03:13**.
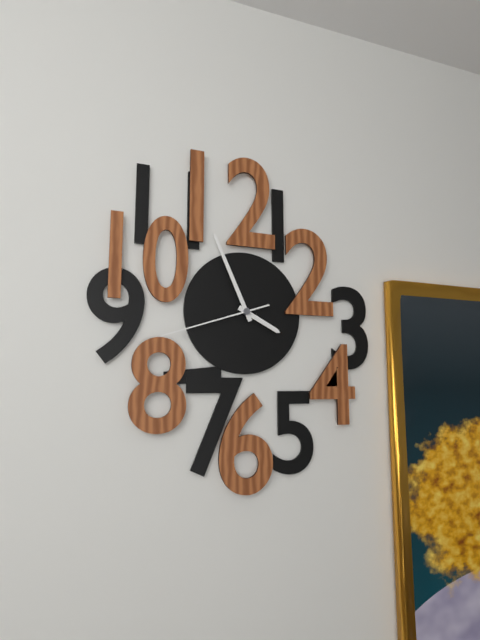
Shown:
**3:56:42**
